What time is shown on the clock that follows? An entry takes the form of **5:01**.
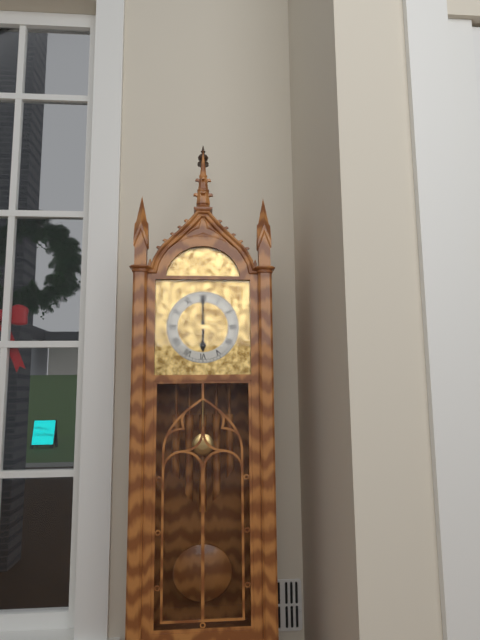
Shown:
**6:00**
